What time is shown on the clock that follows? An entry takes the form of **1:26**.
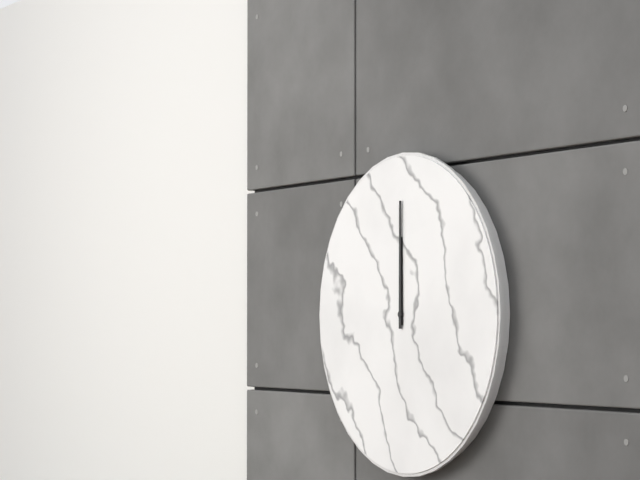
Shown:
**12:00**
